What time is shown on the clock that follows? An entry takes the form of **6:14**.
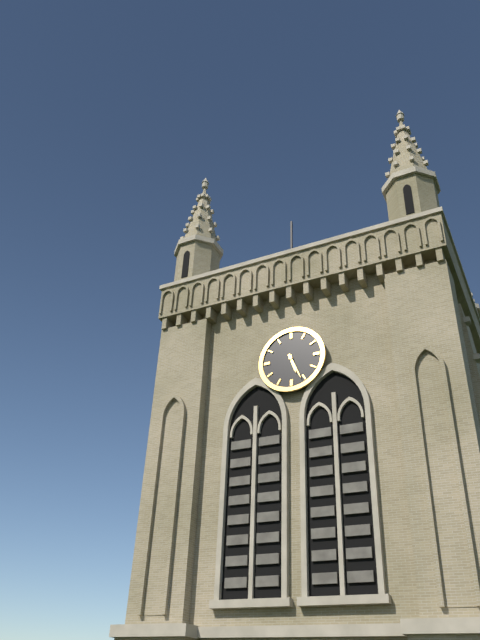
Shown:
**5:26**
